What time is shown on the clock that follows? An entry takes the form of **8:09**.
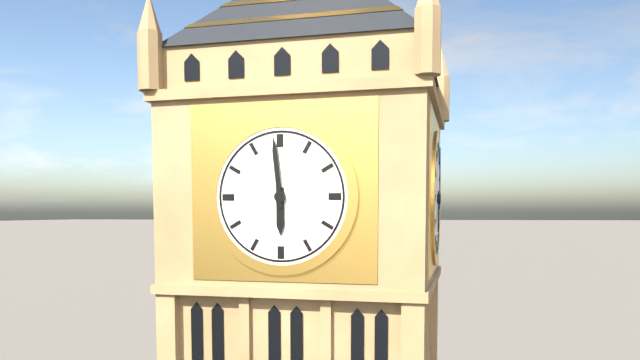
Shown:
**5:59**
